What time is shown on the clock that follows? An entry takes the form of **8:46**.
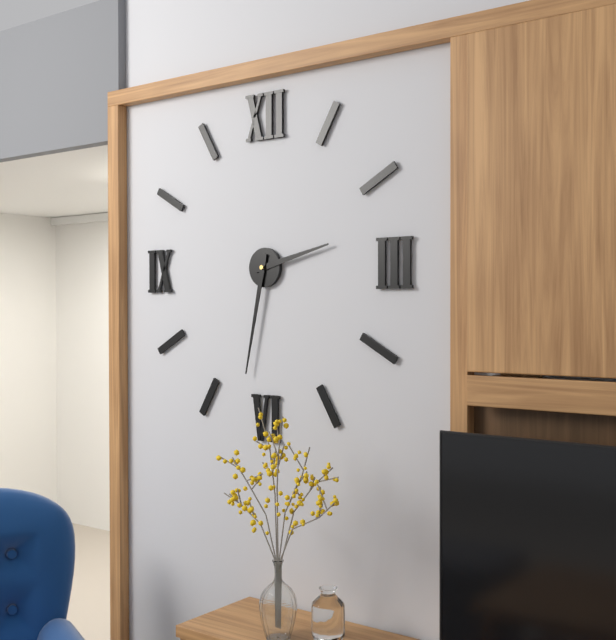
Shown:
**2:32**
